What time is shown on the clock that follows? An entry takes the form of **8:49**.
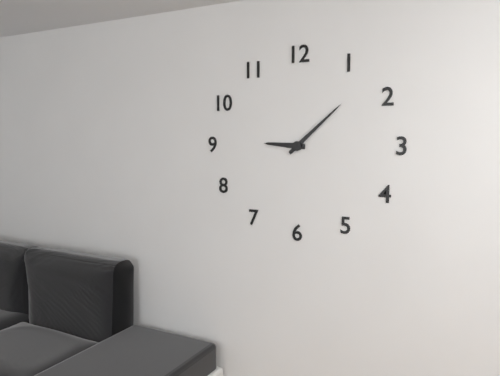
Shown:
**9:08**
